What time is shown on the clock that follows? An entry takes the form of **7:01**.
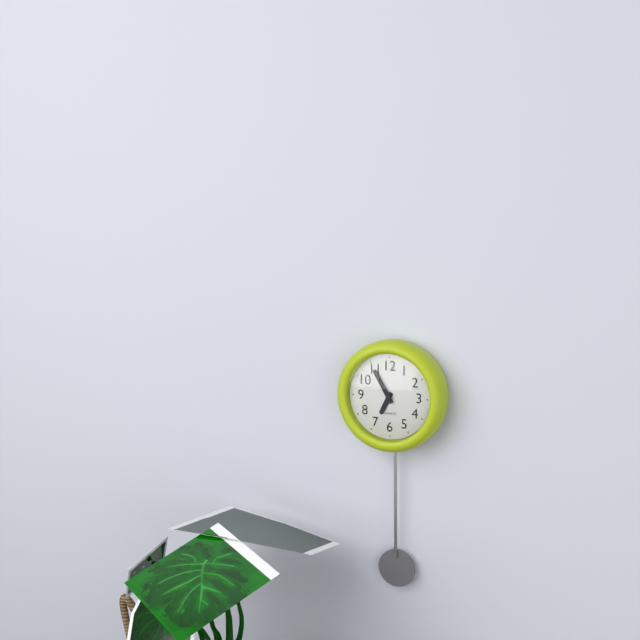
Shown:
**6:55**
